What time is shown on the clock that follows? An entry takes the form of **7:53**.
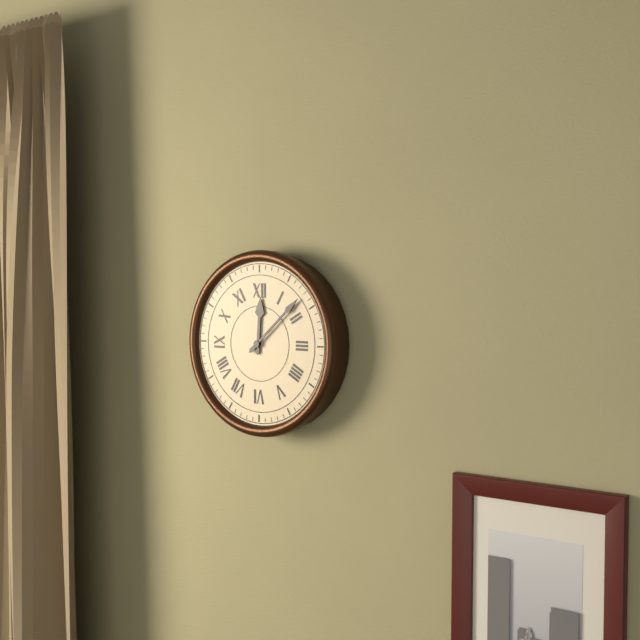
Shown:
**12:08**
